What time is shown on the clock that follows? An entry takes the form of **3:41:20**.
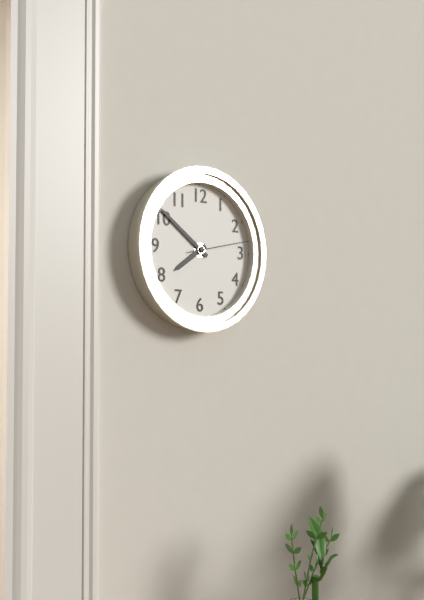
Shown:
**7:51:13**
